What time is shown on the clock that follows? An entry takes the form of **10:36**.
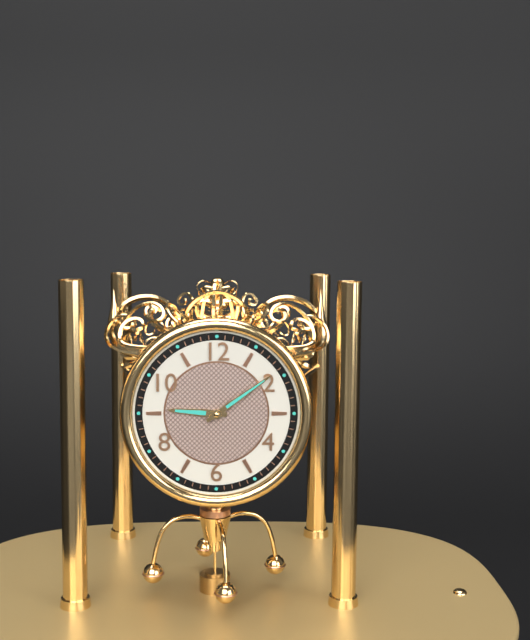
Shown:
**9:09**
